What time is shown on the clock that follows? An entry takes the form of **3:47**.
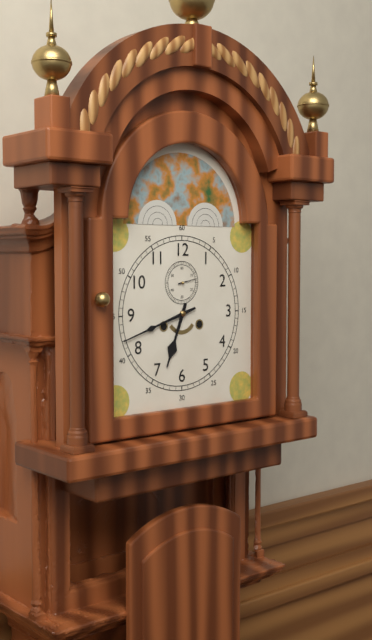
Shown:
**6:42**
